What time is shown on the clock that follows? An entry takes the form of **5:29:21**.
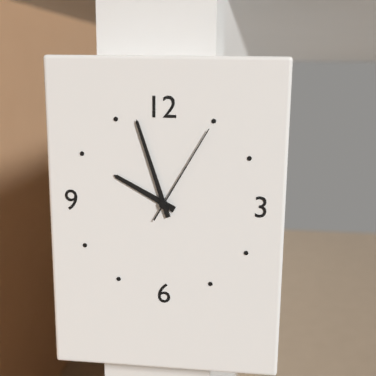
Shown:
**9:57:05**
